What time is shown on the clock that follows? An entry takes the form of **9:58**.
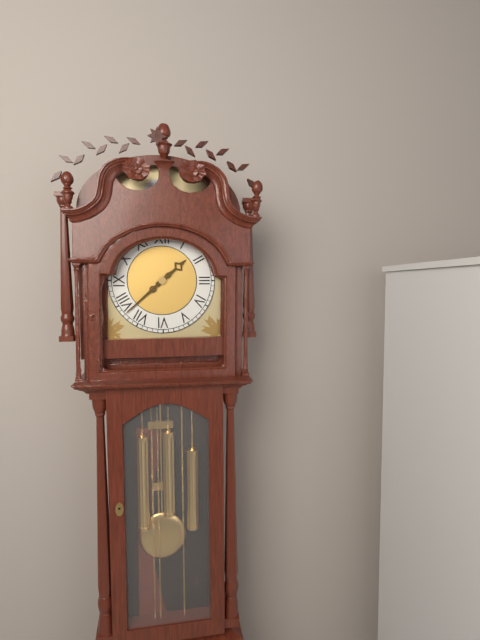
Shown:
**1:38**
